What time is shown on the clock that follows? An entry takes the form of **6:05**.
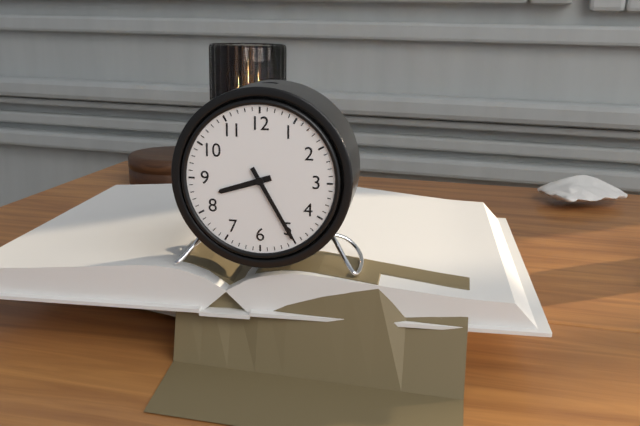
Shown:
**8:25**
